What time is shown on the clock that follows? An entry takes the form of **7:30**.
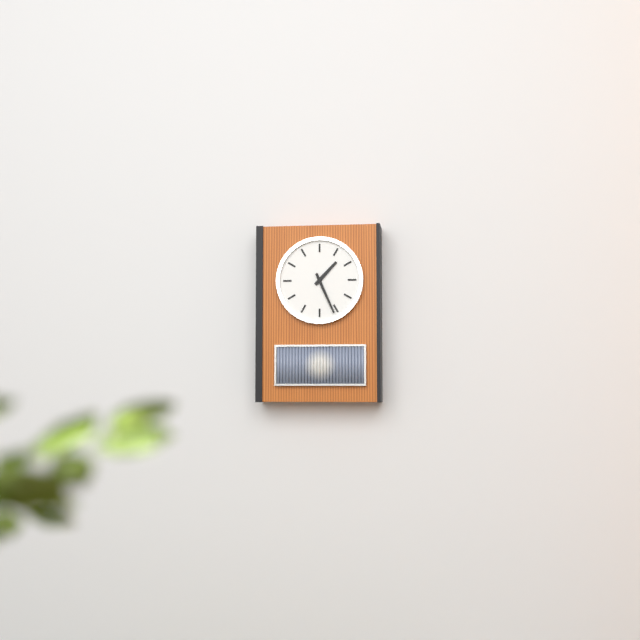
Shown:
**1:26**
